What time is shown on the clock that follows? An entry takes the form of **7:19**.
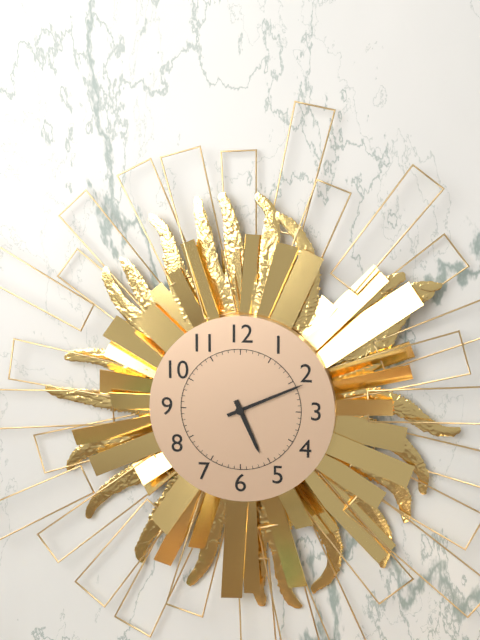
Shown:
**5:11**
